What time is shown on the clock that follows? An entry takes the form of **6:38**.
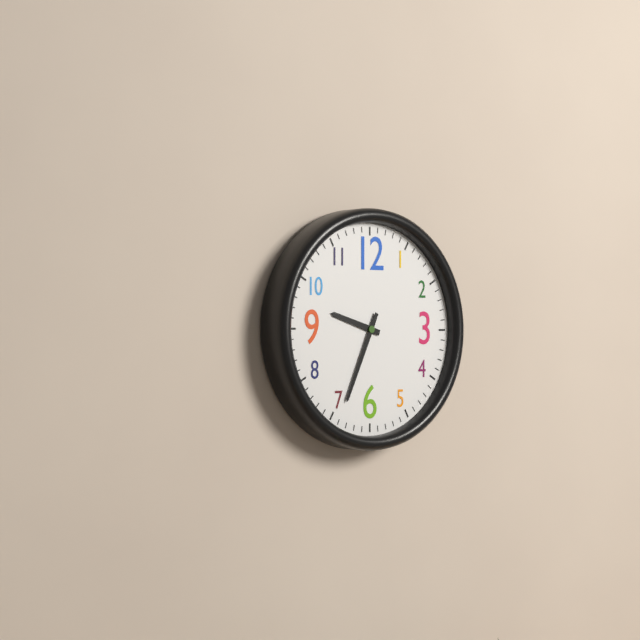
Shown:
**9:34**
